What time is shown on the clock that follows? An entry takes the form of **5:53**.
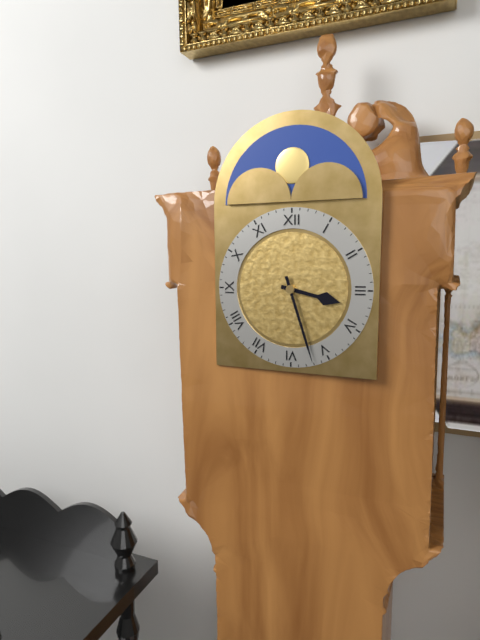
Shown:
**3:27**
